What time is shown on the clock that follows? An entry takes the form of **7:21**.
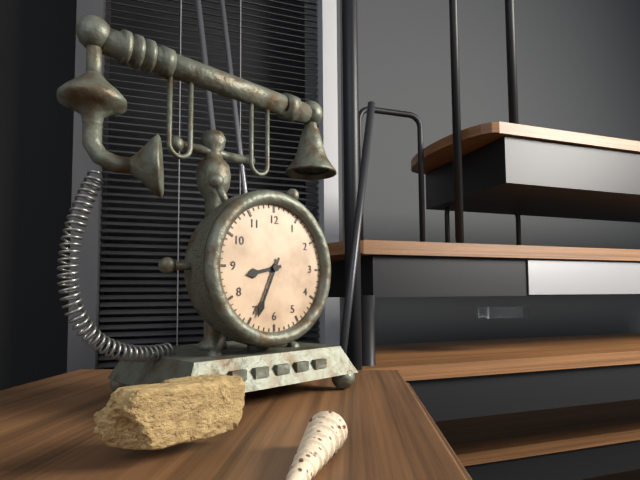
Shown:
**8:34**
